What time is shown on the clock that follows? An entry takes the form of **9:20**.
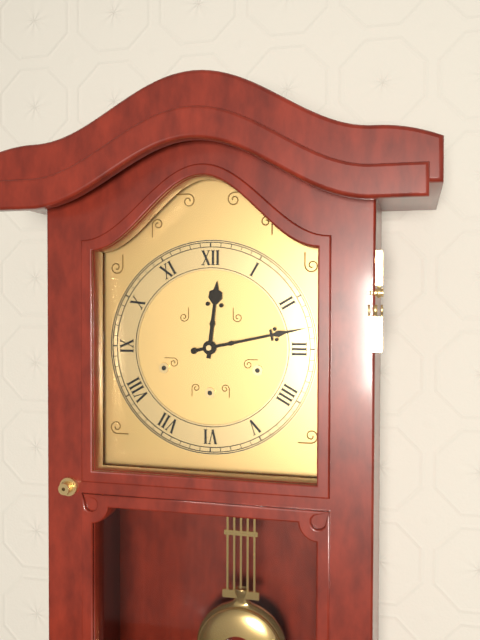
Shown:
**12:13**
